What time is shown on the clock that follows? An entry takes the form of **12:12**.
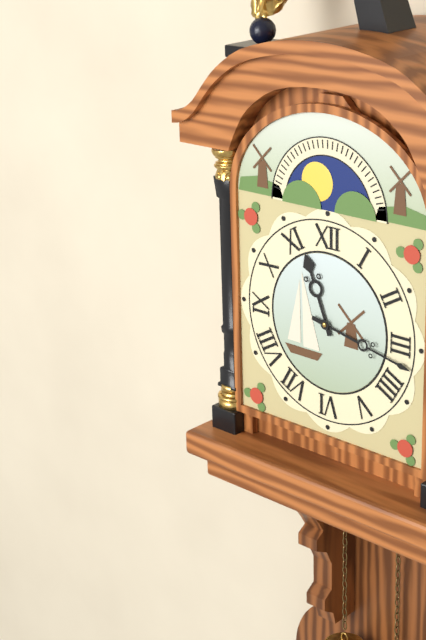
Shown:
**11:17**
